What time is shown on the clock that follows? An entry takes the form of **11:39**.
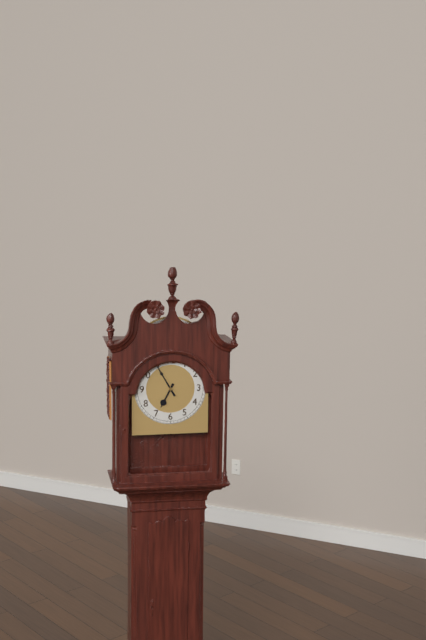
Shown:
**6:55**
